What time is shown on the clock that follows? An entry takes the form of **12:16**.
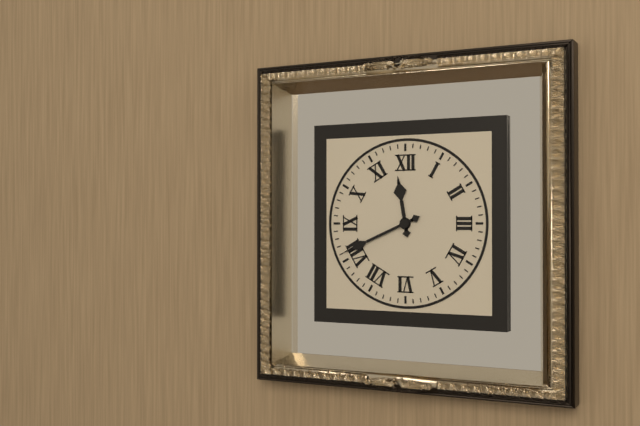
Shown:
**11:41**
